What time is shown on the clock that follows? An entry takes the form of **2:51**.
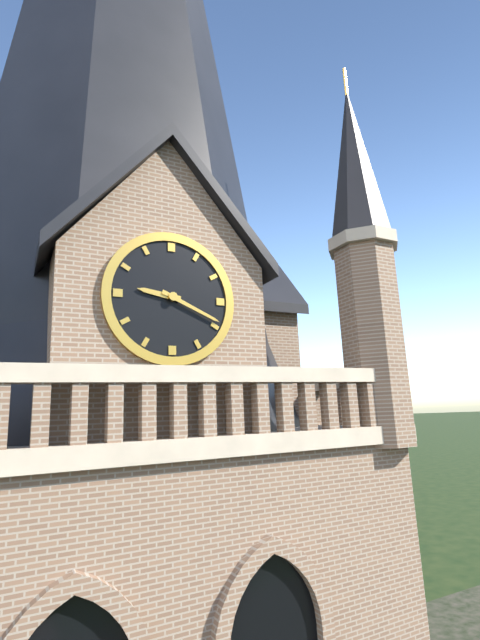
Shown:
**9:19**
